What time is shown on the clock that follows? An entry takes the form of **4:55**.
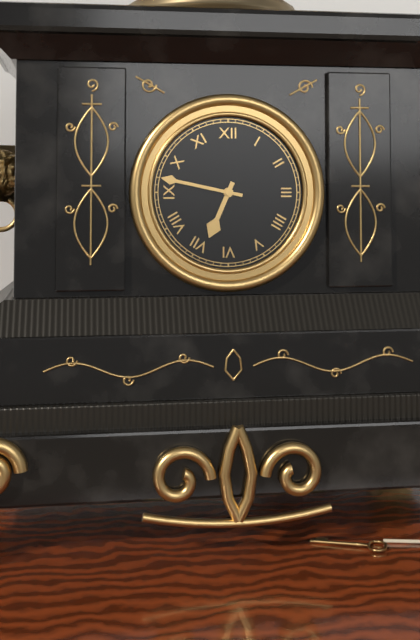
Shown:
**6:47**
